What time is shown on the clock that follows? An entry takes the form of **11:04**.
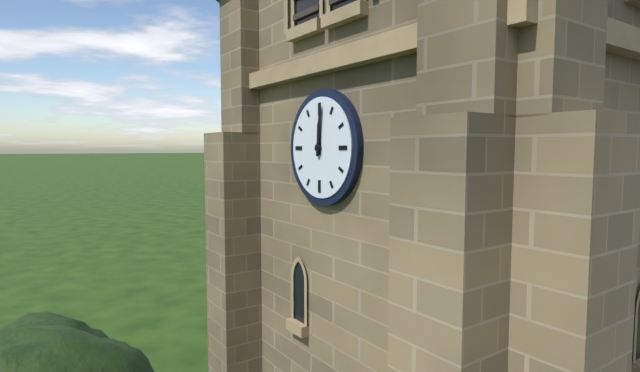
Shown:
**12:01**
